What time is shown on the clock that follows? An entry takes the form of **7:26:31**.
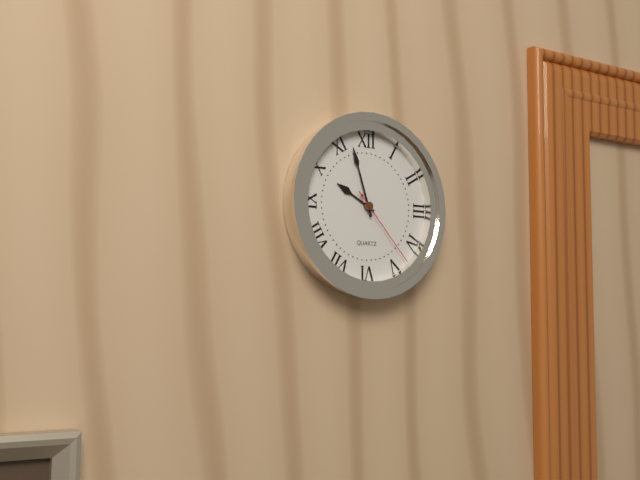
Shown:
**9:57:23**
